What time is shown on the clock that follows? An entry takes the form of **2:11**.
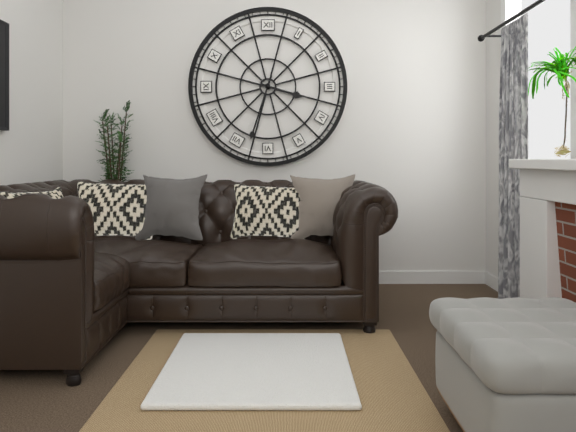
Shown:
**3:33**
